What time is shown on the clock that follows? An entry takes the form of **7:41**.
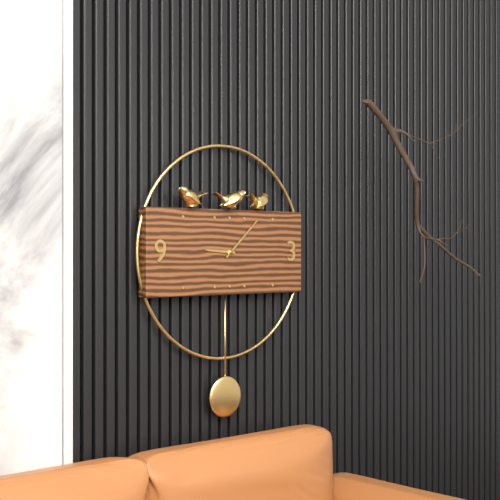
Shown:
**9:08**
